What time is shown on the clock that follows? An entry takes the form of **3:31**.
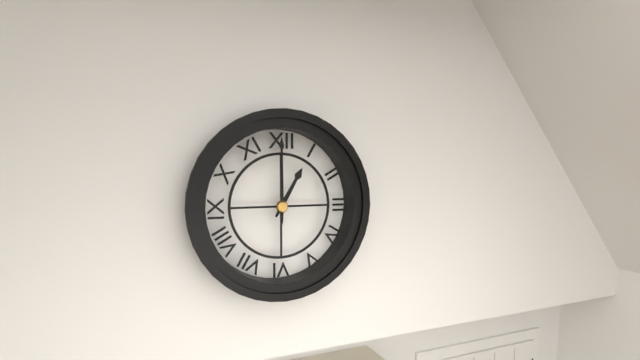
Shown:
**1:00**
